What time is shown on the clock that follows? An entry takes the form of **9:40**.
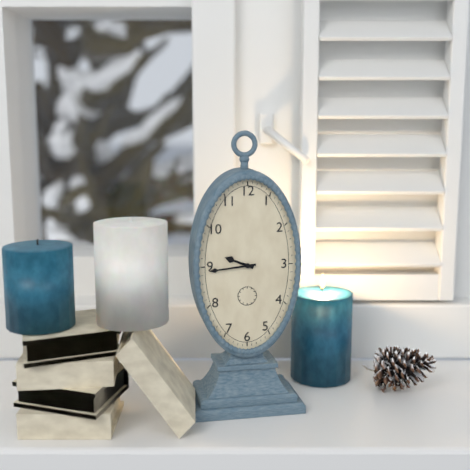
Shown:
**9:44**
